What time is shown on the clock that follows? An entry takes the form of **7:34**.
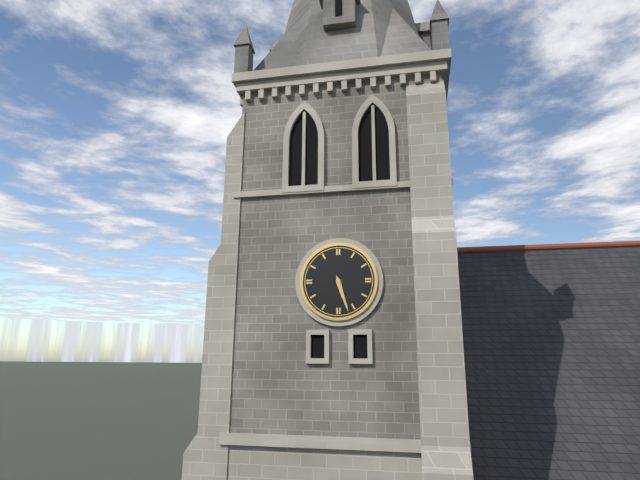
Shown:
**5:27**
